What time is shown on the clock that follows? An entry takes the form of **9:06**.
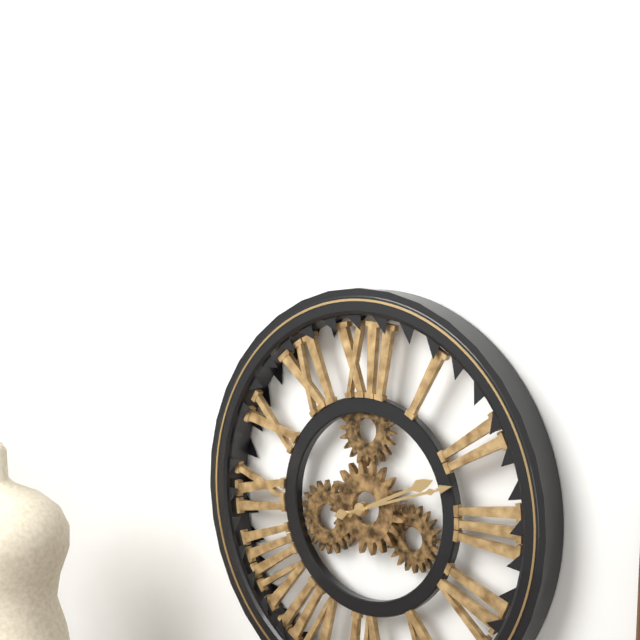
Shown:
**2:12**
